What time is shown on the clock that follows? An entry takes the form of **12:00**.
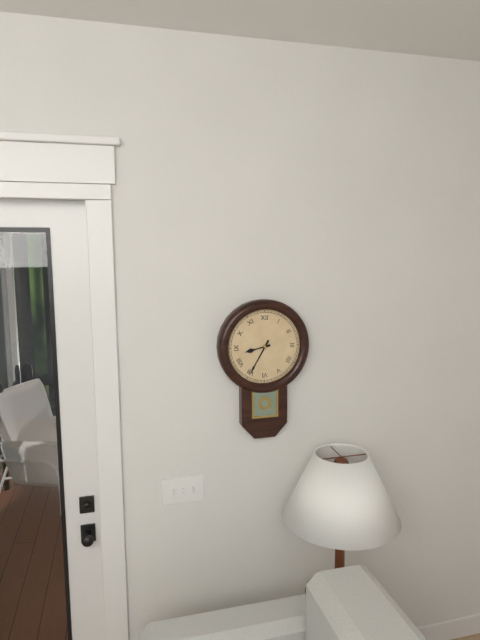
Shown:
**8:35**
